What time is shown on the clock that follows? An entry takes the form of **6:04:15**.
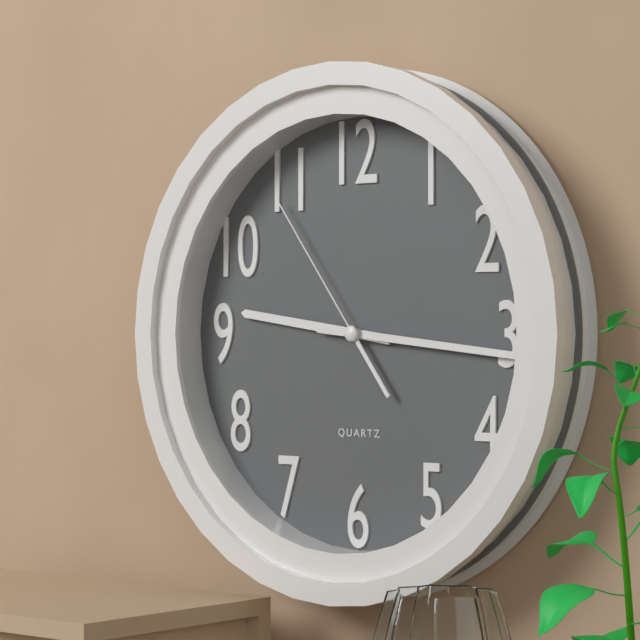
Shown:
**9:16:54**
